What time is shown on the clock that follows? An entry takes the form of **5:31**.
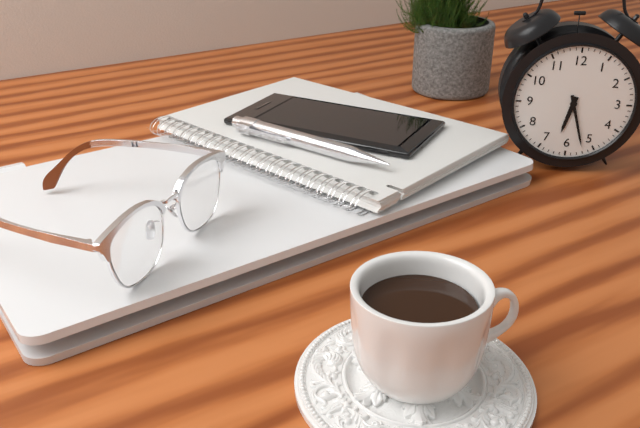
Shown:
**6:27**
